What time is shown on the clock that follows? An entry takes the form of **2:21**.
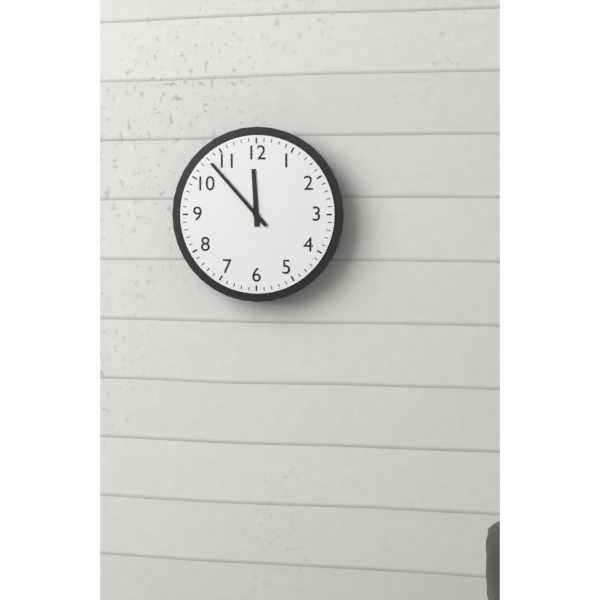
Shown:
**11:53**
